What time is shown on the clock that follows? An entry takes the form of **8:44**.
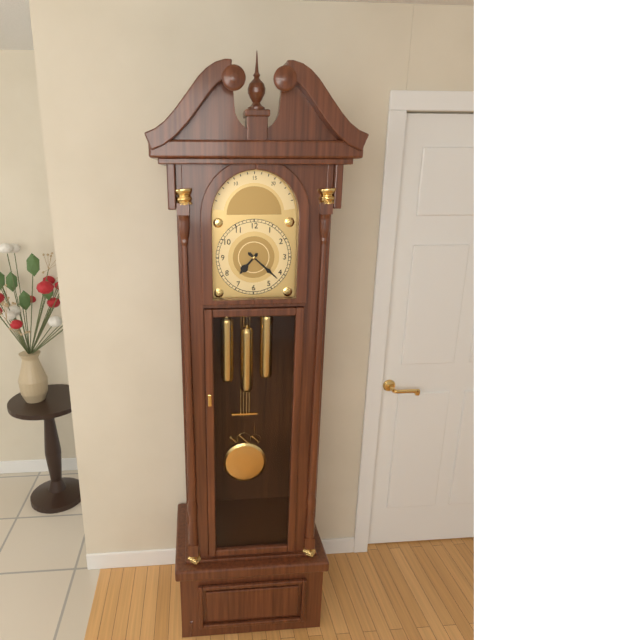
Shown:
**7:22**
